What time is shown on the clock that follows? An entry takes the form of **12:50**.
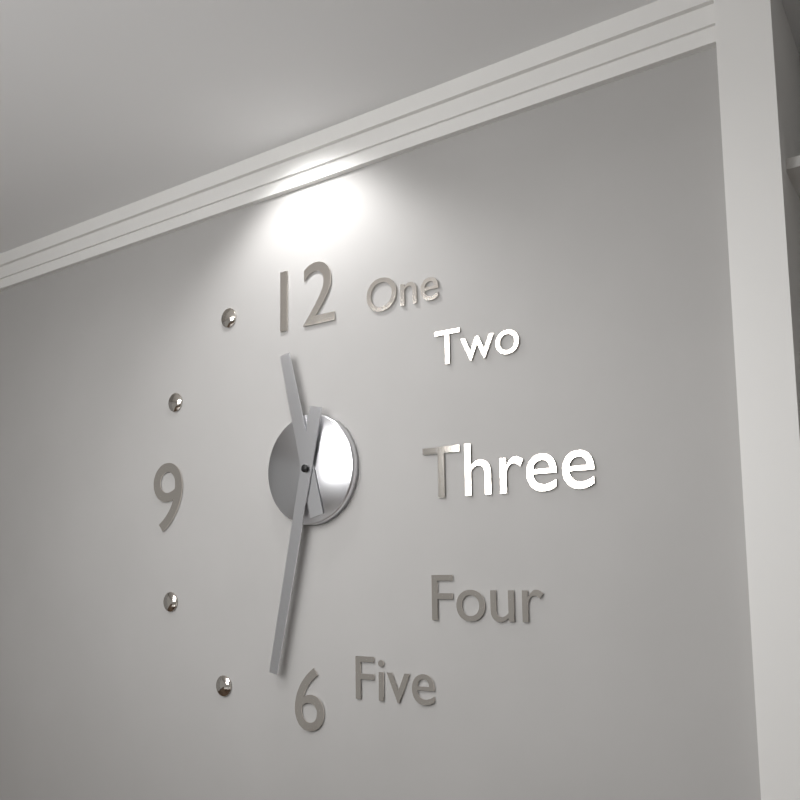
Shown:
**11:32**
